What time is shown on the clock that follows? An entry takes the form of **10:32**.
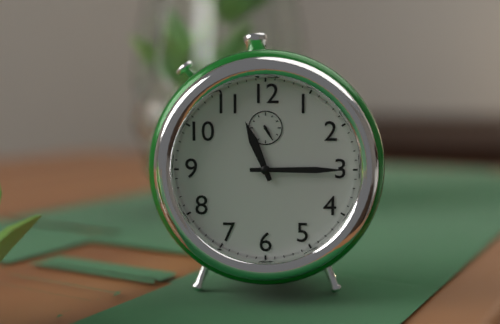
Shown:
**11:15**
